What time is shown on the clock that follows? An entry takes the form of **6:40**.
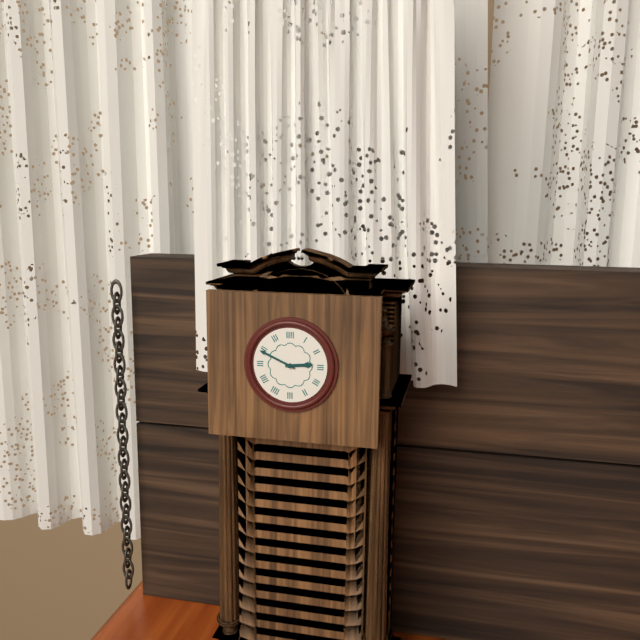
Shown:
**2:49**
